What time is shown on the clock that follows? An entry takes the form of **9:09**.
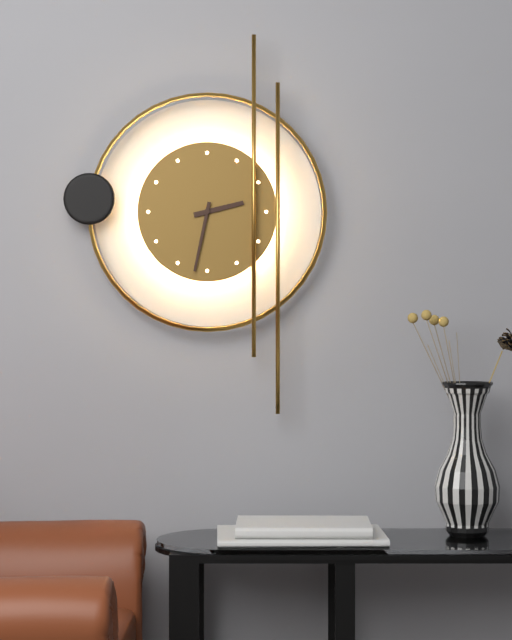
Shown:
**2:32**
